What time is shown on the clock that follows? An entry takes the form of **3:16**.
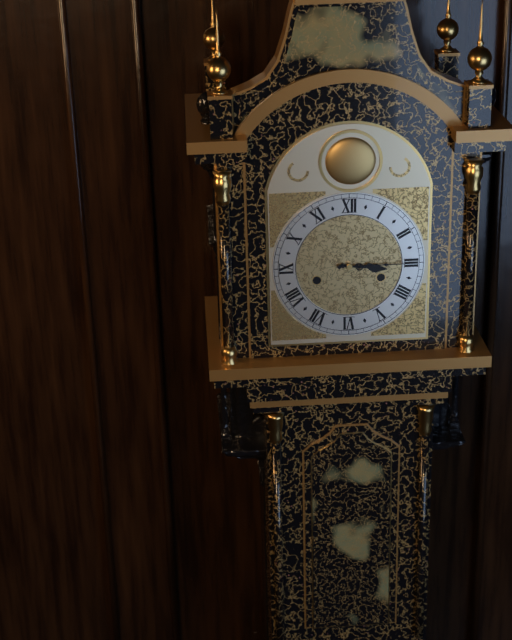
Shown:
**3:15**
